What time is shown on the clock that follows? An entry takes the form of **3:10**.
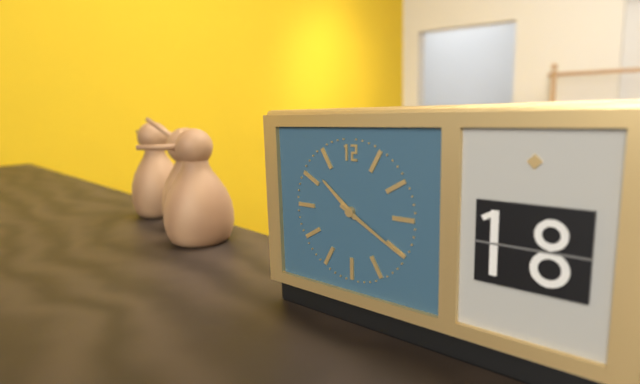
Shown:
**10:20**
